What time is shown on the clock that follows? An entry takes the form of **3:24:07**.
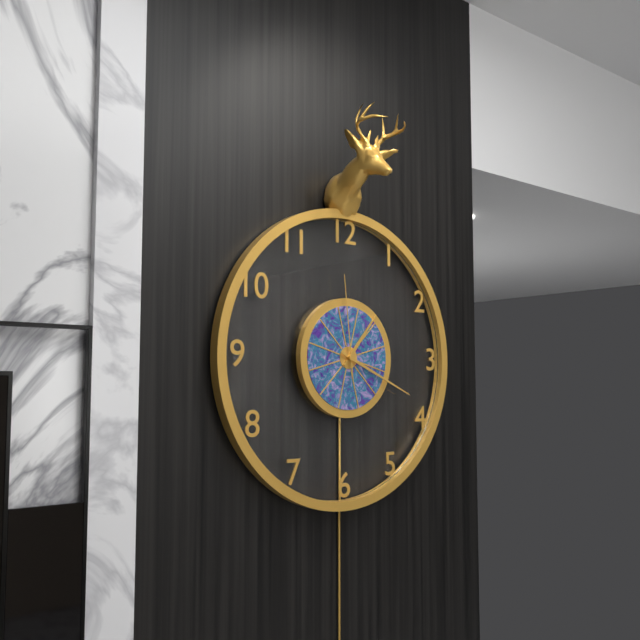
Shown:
**1:19:59**
